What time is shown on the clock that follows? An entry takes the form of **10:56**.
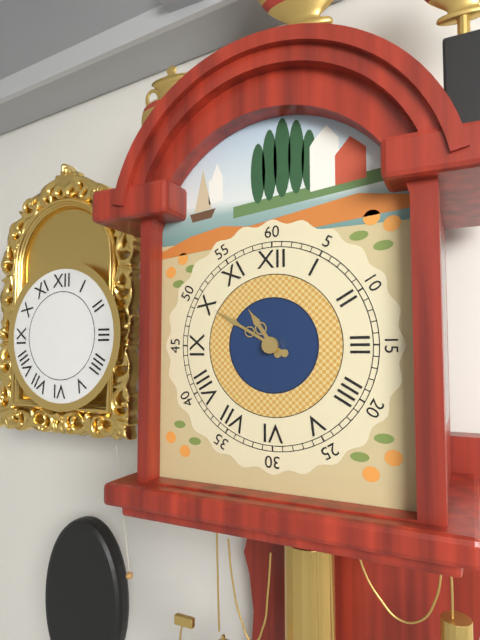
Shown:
**10:50**
